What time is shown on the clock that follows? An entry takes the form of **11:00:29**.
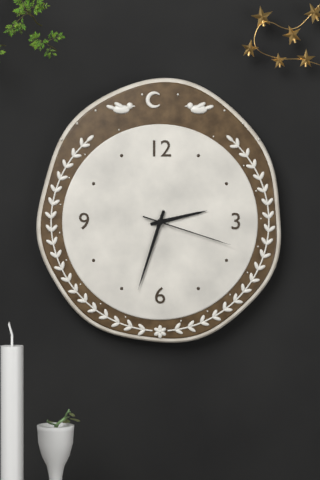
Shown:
**2:33:18**
